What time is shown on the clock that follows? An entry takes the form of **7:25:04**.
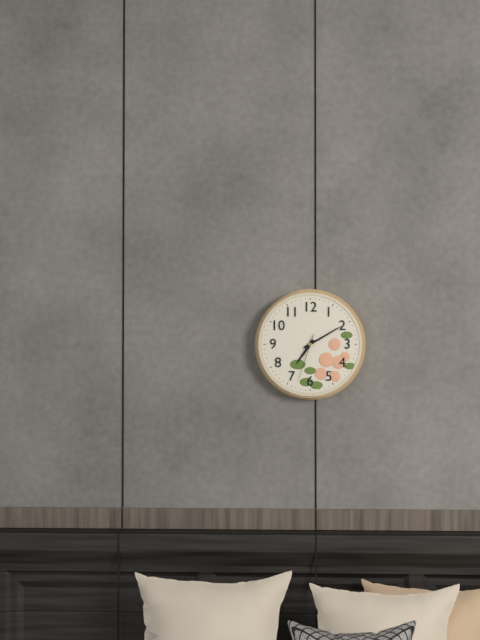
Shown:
**7:10:33**
